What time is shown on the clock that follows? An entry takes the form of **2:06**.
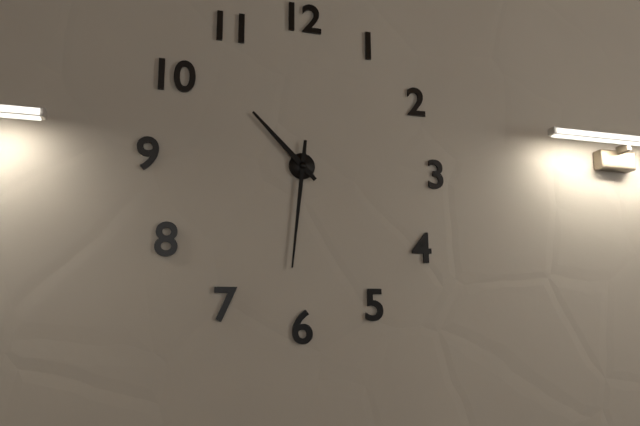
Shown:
**10:31**
